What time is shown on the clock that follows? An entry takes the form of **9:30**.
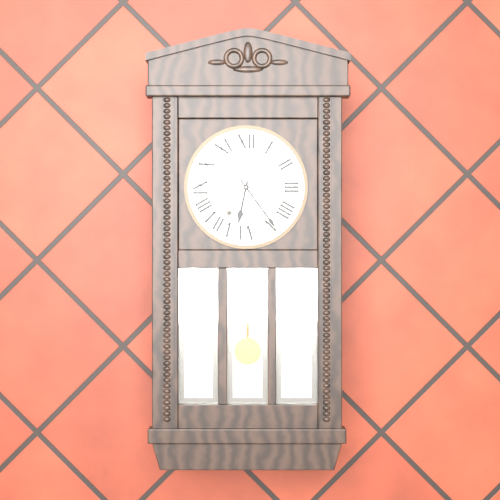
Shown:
**6:24**
